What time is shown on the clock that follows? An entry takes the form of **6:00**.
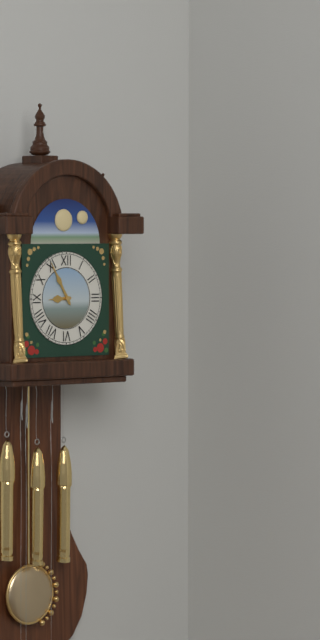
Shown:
**8:55**
